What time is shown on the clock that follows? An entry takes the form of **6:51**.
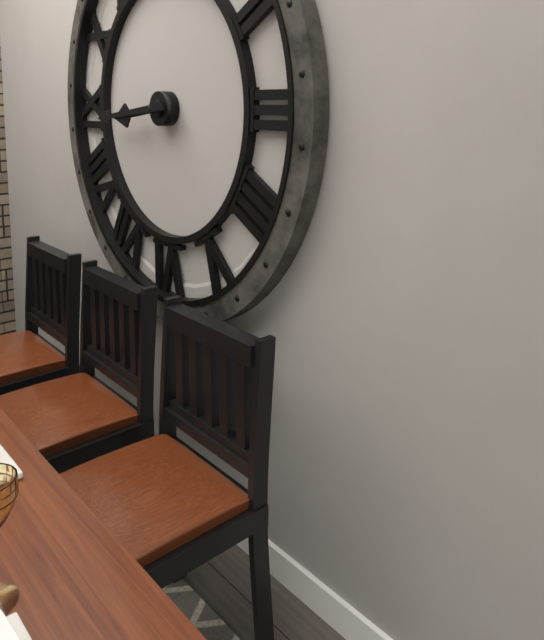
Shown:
**8:44**
